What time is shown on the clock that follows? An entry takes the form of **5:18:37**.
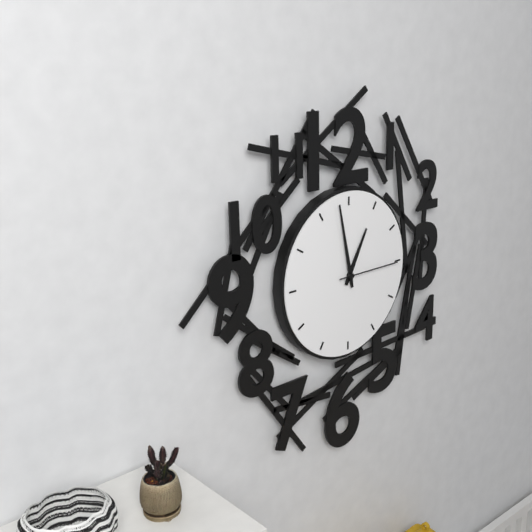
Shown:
**12:58:15**
